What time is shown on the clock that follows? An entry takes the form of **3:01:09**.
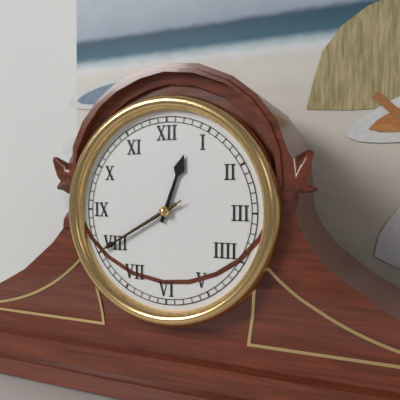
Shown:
**12:40:40**
